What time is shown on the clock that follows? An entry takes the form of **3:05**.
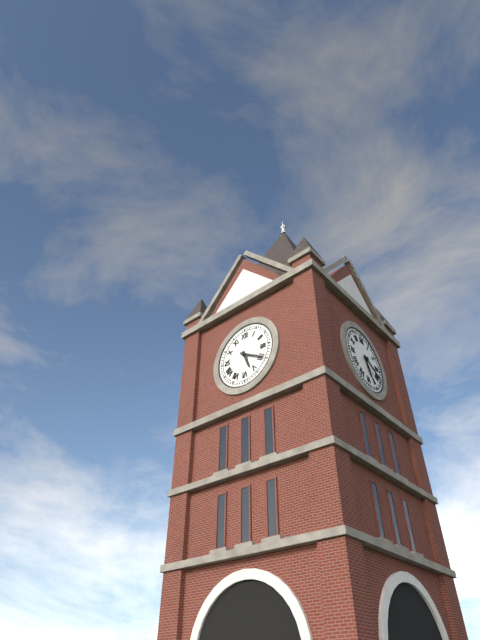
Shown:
**5:20**
